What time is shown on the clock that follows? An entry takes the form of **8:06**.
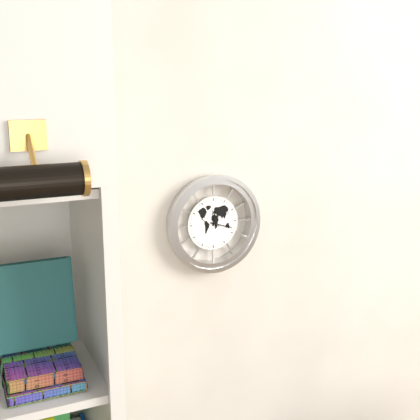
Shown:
**12:18**
